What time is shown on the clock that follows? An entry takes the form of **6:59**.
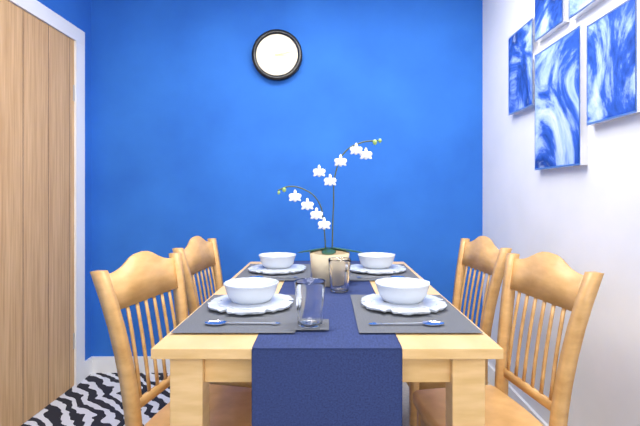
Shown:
**3:13**
